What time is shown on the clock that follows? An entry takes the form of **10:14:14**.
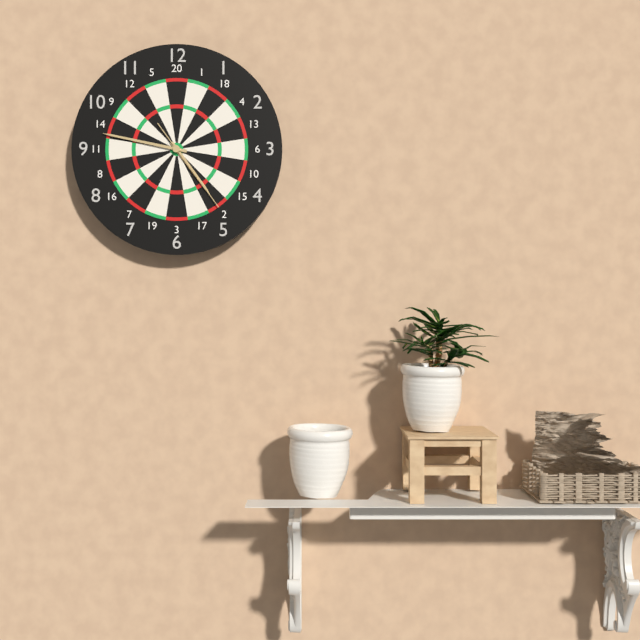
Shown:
**4:47:24**
